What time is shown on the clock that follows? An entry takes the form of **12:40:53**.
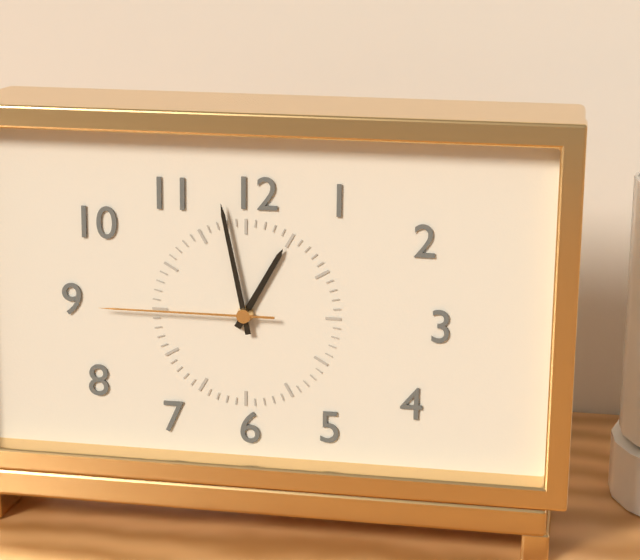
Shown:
**12:58:45**
